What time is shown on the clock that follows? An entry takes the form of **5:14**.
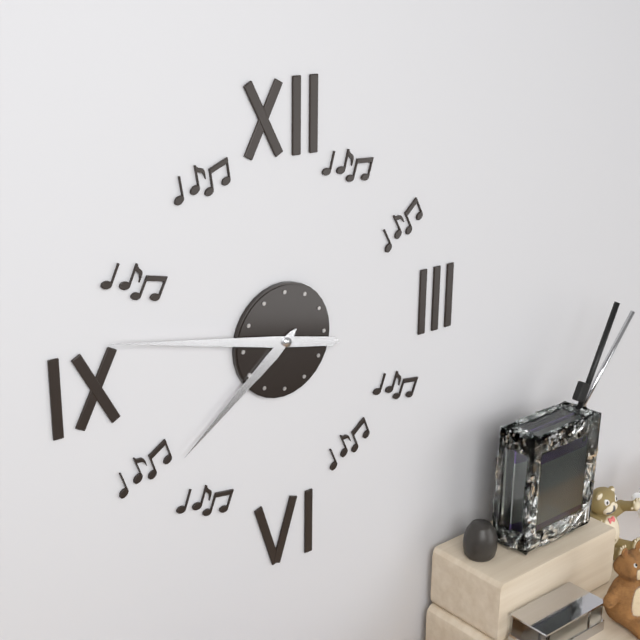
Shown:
**7:47**
